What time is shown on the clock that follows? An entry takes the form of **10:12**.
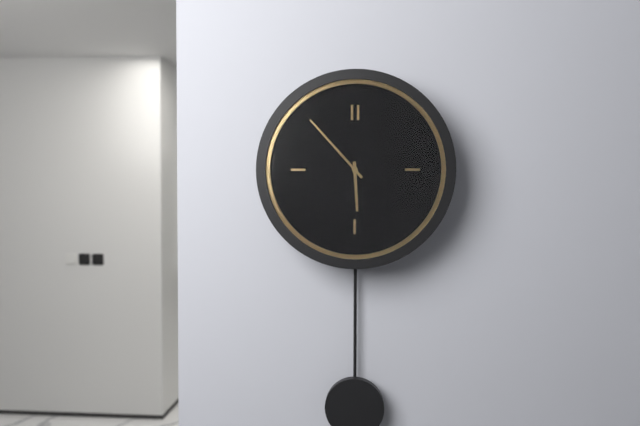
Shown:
**5:53**
